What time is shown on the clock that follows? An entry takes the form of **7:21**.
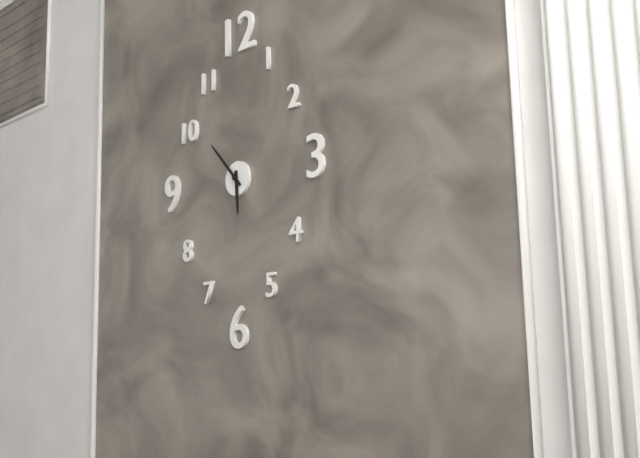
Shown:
**5:53**
